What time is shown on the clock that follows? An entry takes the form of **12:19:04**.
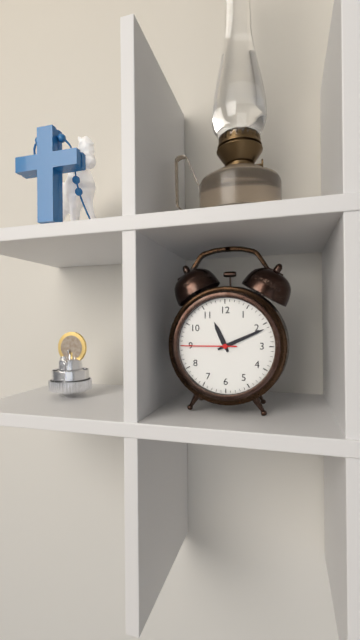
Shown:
**11:11:45**
